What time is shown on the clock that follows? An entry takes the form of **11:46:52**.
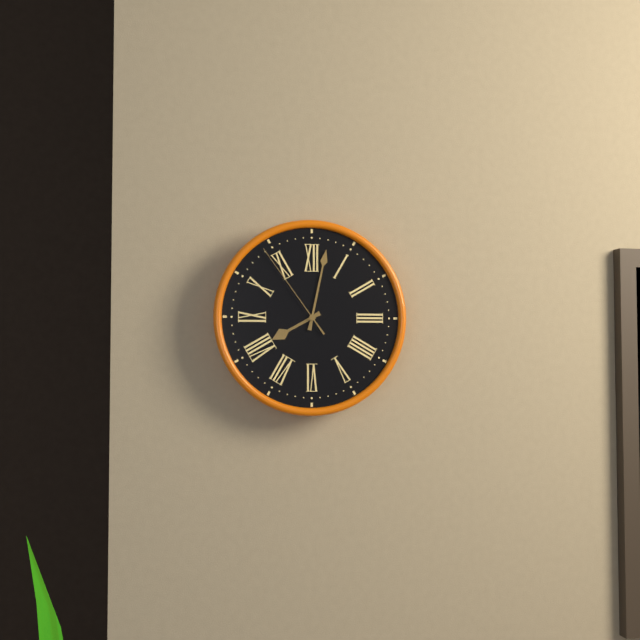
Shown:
**8:02:54**
